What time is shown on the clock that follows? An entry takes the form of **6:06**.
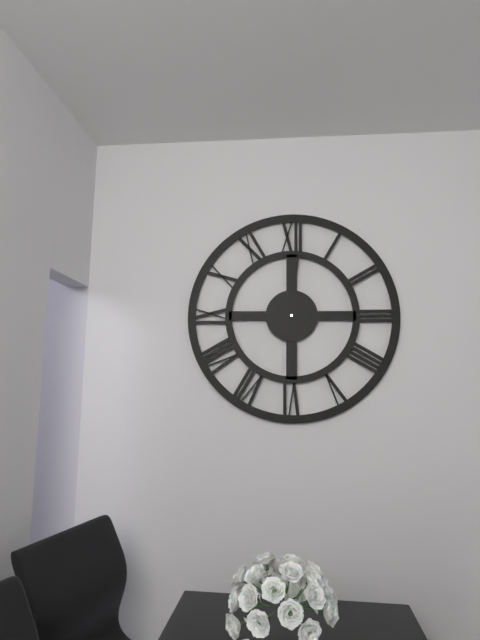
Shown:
**12:01**
